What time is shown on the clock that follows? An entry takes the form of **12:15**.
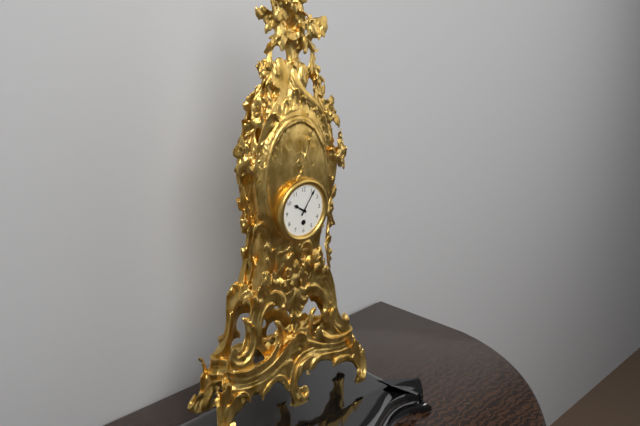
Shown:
**10:06**
